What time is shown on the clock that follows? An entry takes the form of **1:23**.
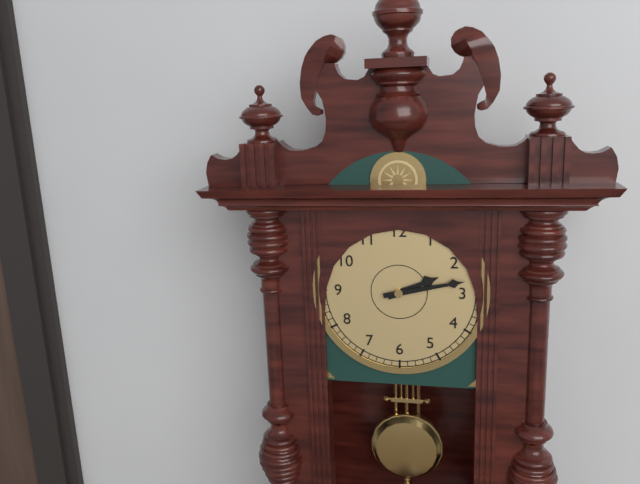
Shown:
**2:13**
